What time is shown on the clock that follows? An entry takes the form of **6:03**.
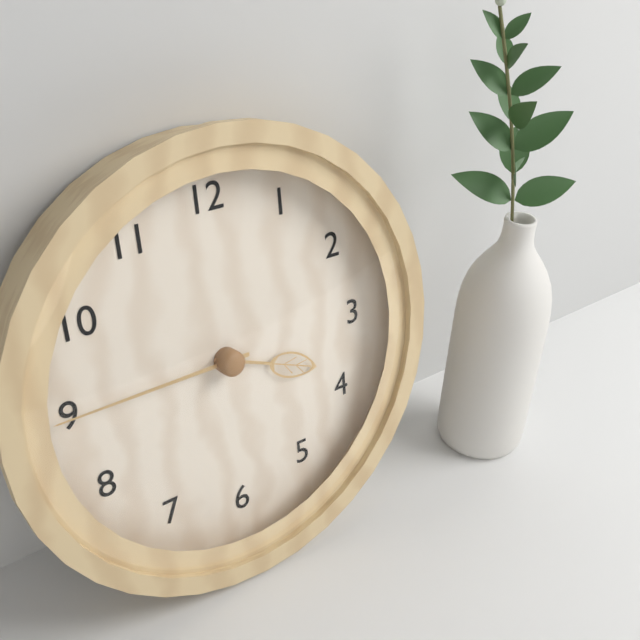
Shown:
**3:45**
